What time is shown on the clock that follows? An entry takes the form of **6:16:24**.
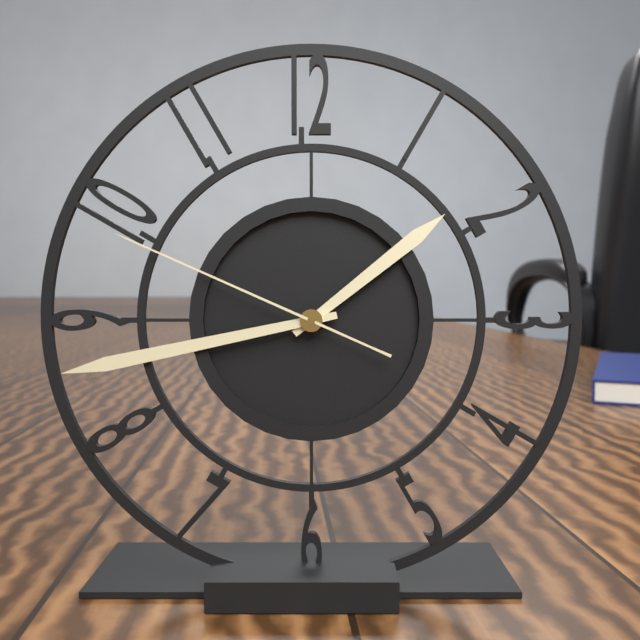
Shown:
**1:43:49**
